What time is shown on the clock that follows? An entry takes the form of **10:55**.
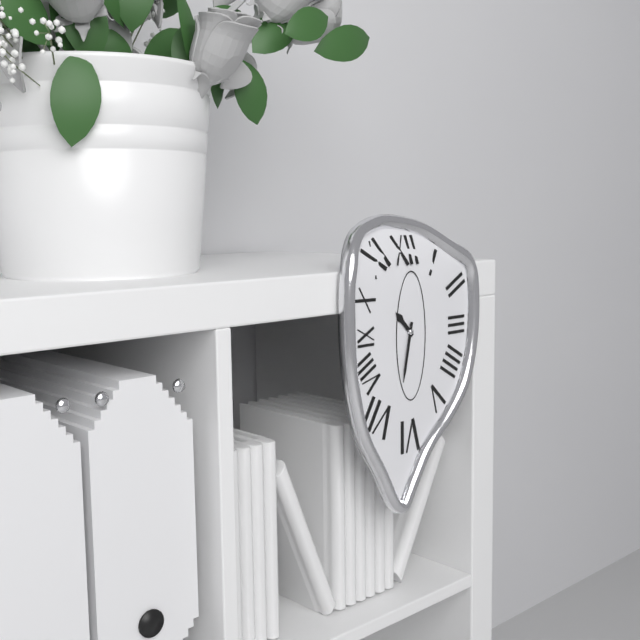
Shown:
**10:32**
